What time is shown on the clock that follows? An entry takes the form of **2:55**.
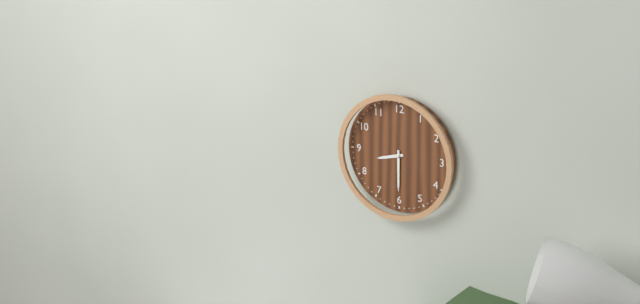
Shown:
**8:30**
